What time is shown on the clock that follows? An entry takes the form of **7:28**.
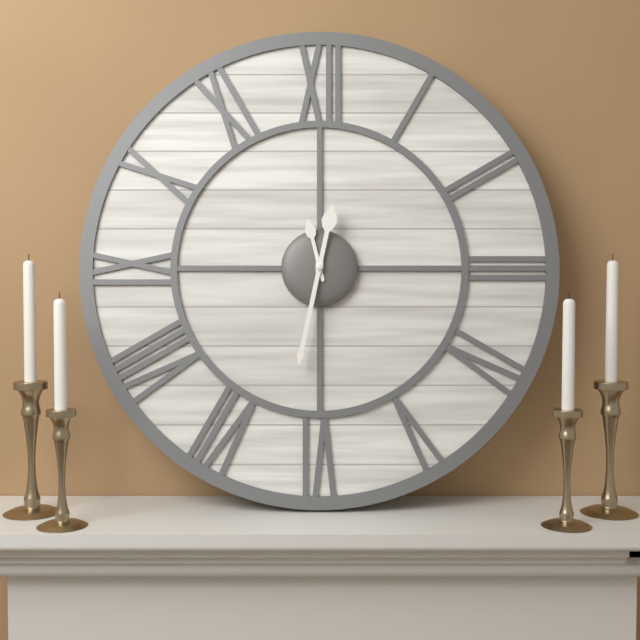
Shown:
**11:32**
